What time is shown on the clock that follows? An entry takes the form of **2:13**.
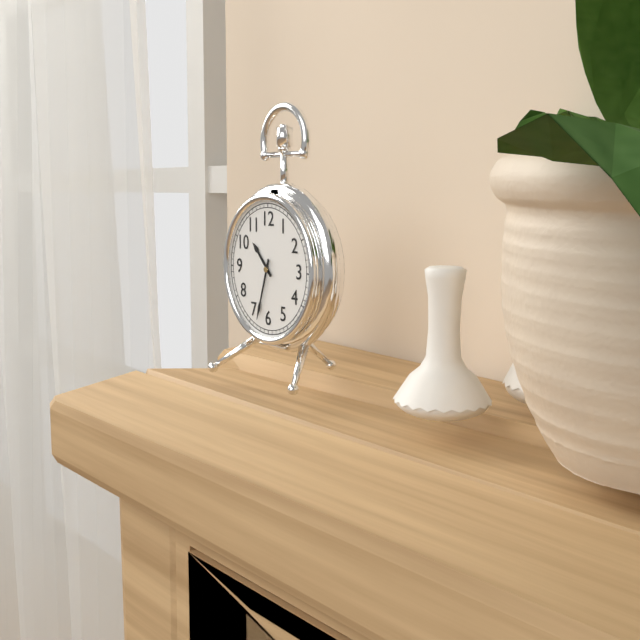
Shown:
**10:33**
